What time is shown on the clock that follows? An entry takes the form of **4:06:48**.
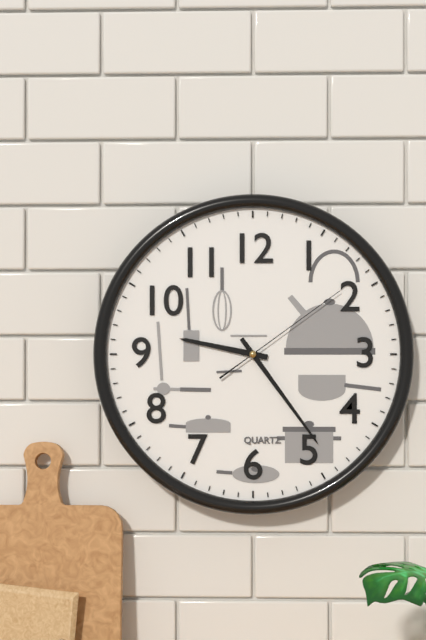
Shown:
**9:24:09**
